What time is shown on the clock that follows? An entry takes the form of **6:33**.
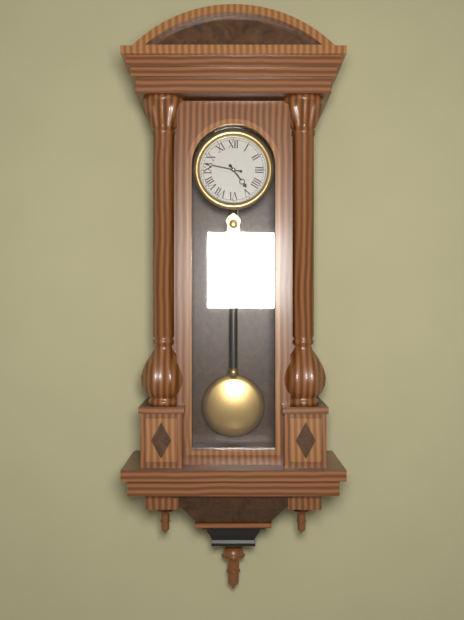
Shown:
**4:47**
